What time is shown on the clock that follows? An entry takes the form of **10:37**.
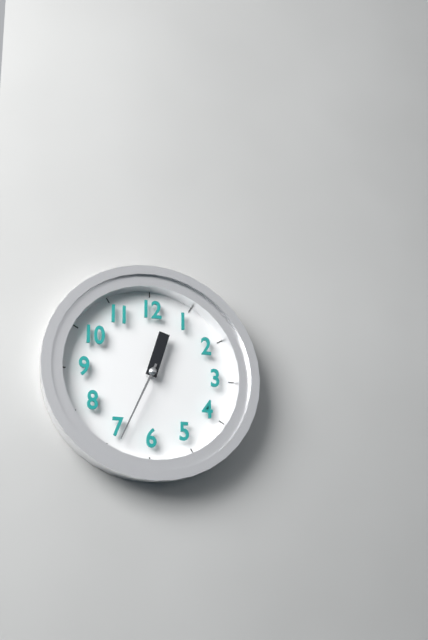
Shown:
**12:34**
